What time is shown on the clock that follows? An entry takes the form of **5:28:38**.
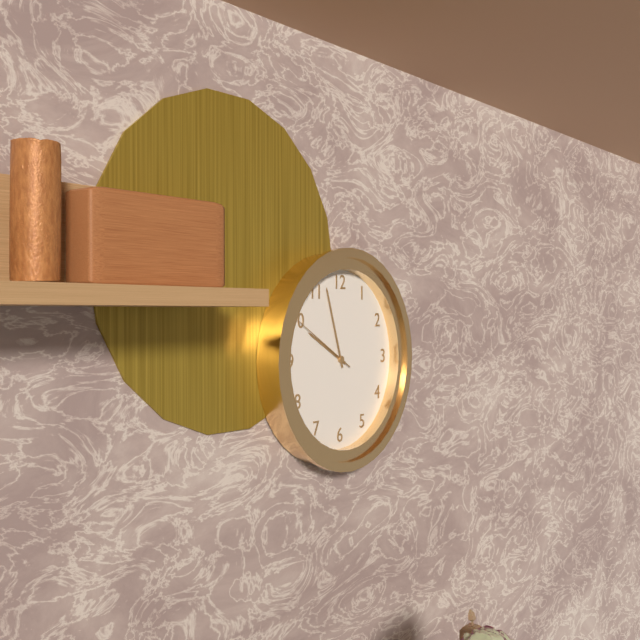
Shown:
**9:57:50**
